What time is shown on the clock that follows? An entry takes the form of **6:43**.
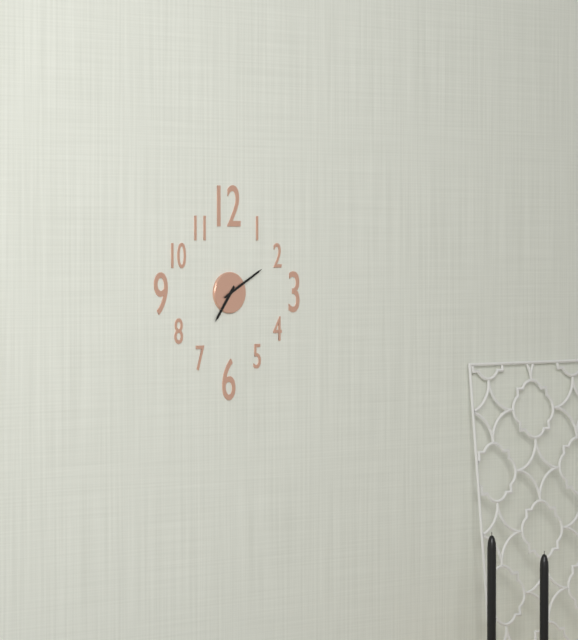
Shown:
**7:10**
